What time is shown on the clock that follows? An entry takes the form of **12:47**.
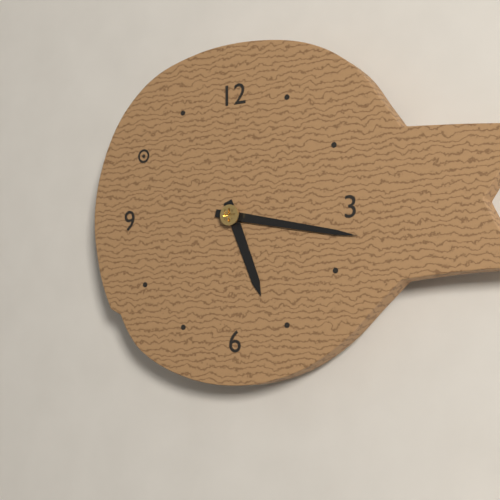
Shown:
**5:17**
